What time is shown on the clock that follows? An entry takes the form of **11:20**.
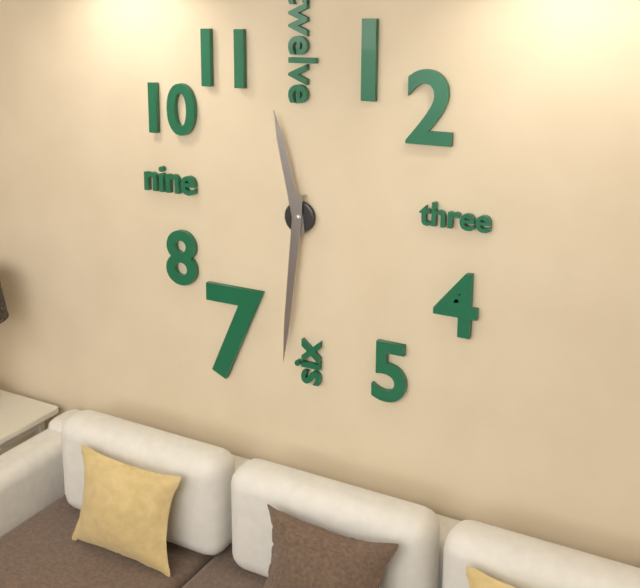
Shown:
**11:31**
